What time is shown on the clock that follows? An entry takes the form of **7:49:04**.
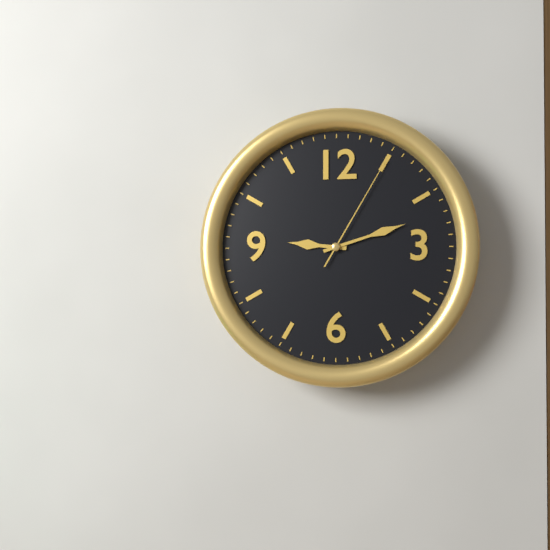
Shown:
**9:12:05**
